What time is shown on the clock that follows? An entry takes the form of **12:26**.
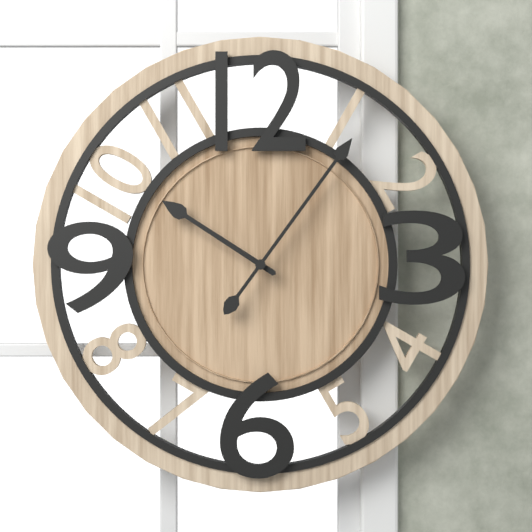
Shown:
**10:06**
